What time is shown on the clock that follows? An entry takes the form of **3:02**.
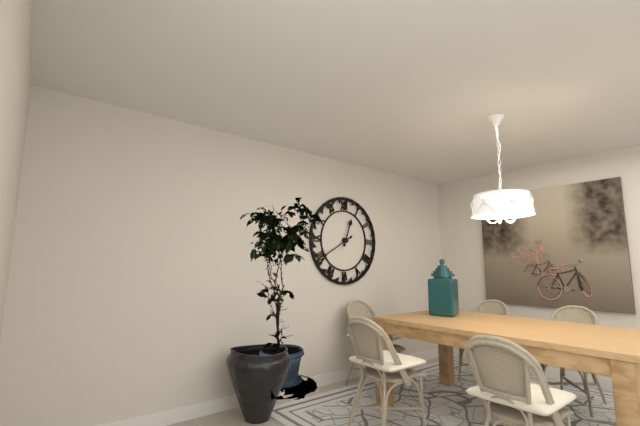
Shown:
**12:40**
